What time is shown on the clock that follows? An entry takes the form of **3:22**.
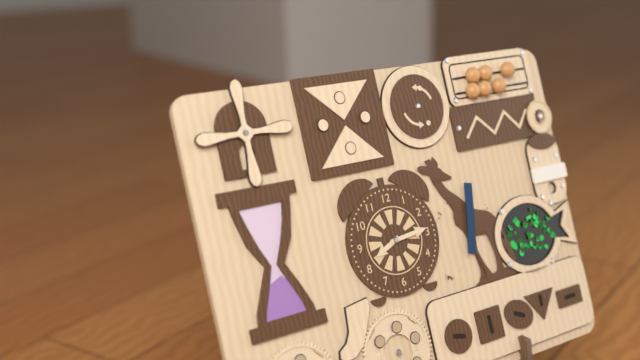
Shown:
**8:14**
